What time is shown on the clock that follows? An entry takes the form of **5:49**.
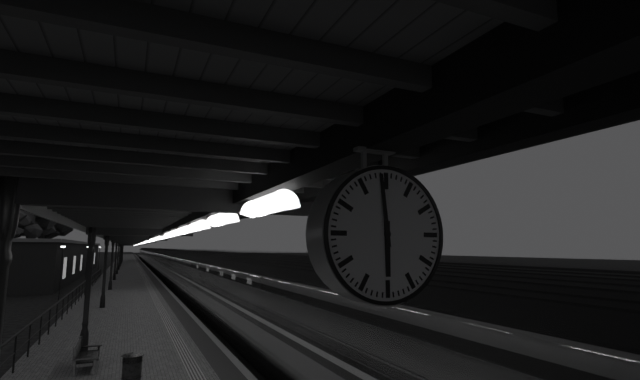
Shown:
**5:59**
